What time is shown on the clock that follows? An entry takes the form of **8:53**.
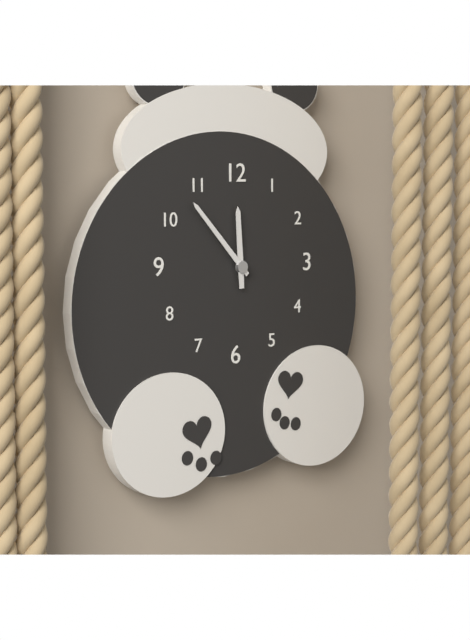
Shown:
**11:53**
